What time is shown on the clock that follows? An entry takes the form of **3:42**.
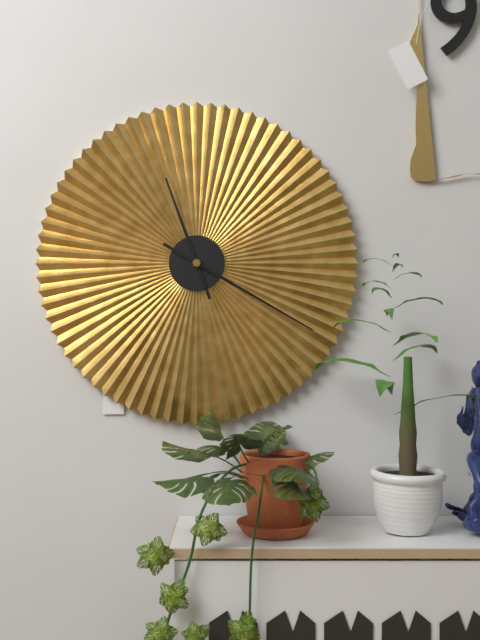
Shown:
**11:20**
